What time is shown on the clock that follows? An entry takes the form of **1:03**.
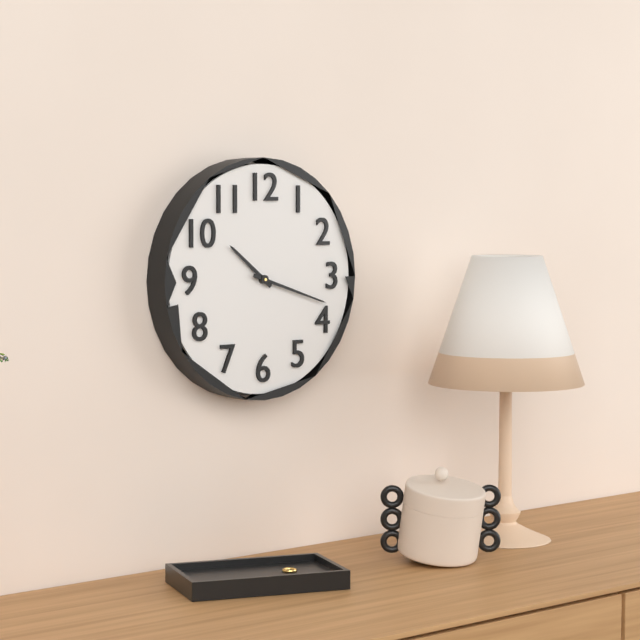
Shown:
**10:18**
